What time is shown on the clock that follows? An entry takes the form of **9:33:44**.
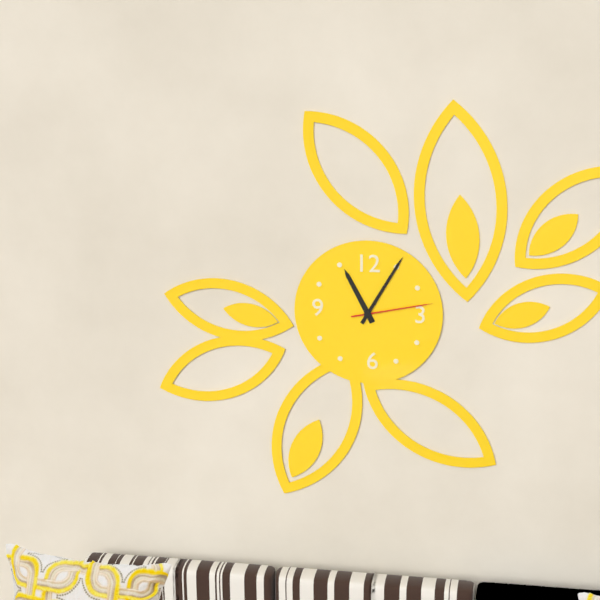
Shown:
**11:05:13**
